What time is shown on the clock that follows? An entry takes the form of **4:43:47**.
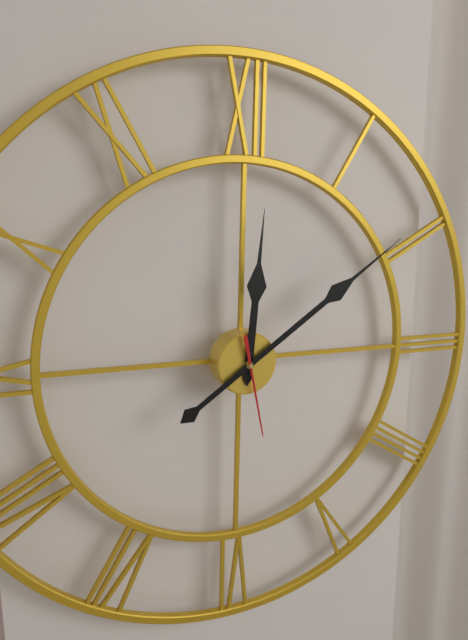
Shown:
**12:09:28**
